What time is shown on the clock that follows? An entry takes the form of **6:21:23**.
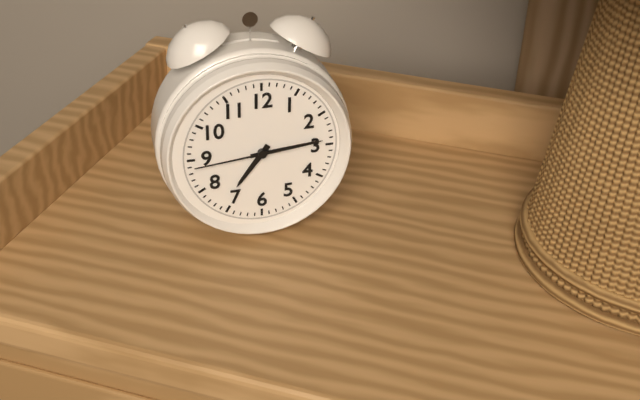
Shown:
**7:14:44**
